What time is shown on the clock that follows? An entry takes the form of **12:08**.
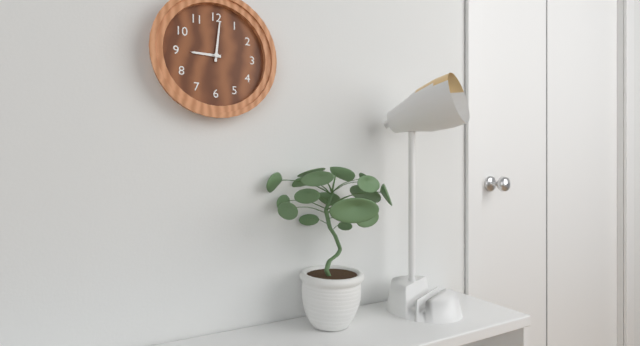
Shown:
**9:01**
